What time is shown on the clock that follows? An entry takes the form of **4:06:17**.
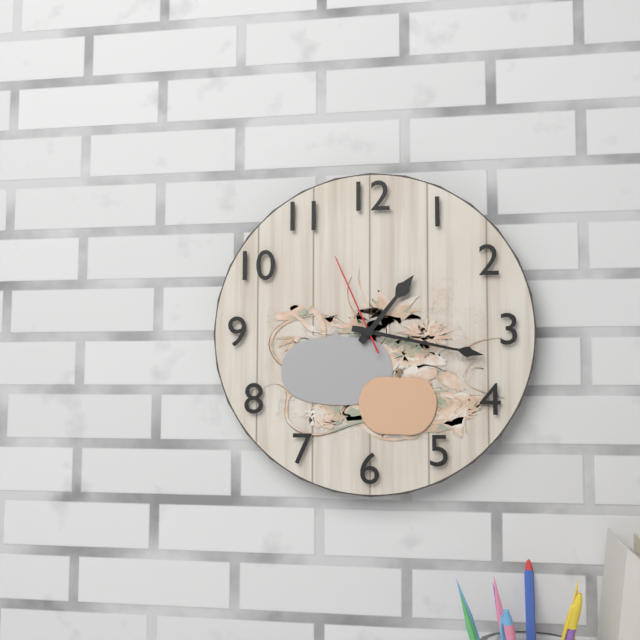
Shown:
**1:17:56**
